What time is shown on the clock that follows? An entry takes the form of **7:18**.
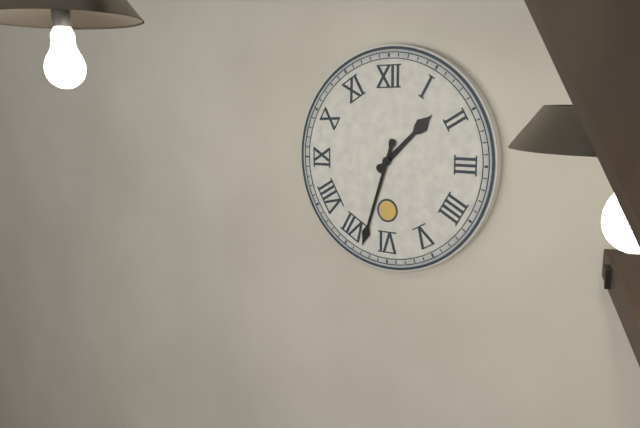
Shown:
**1:33**
